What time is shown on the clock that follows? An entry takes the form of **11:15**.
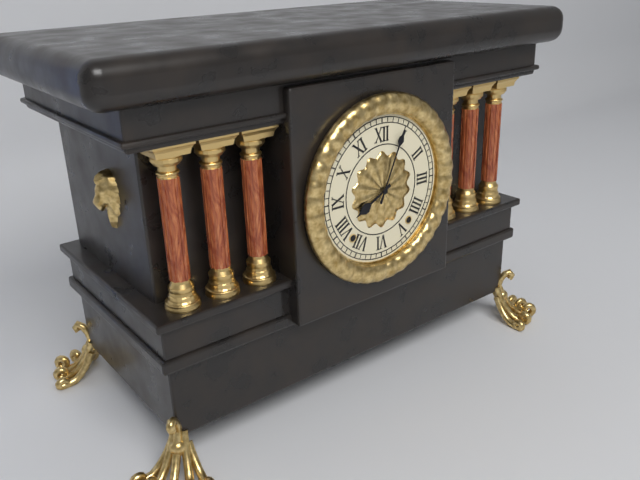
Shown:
**8:04**
